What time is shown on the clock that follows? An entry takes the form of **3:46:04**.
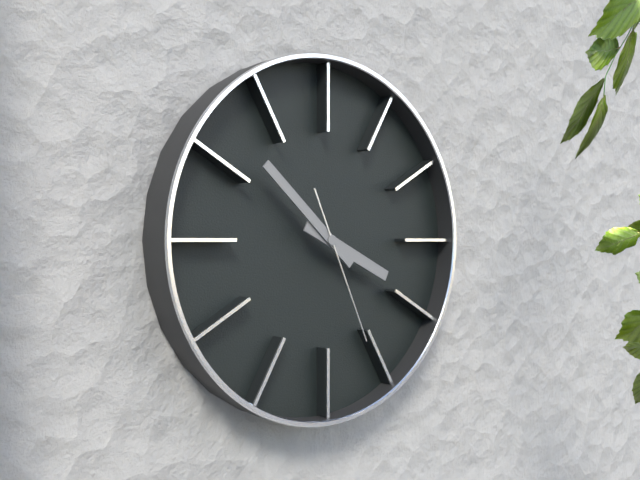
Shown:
**3:52:26**
